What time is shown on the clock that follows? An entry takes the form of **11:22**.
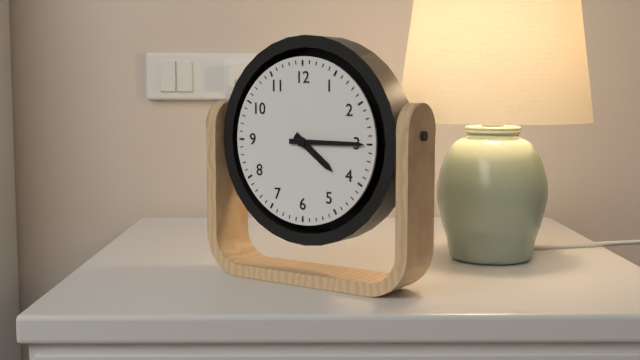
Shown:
**4:15**
